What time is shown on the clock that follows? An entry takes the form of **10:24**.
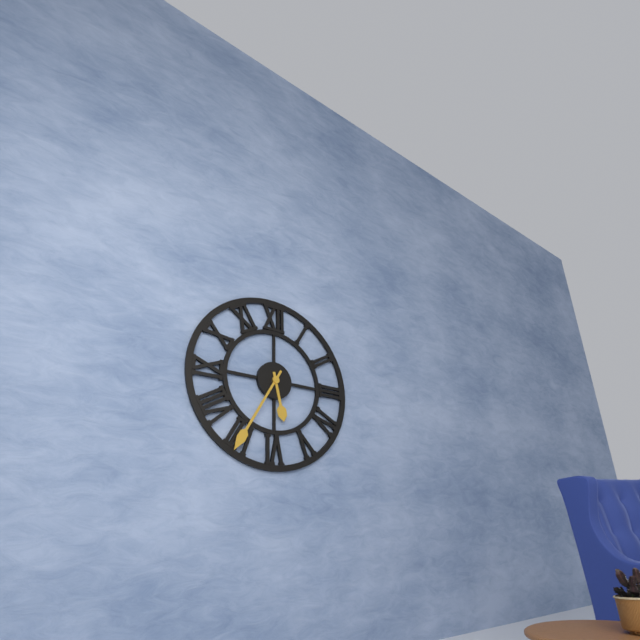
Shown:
**5:35**
